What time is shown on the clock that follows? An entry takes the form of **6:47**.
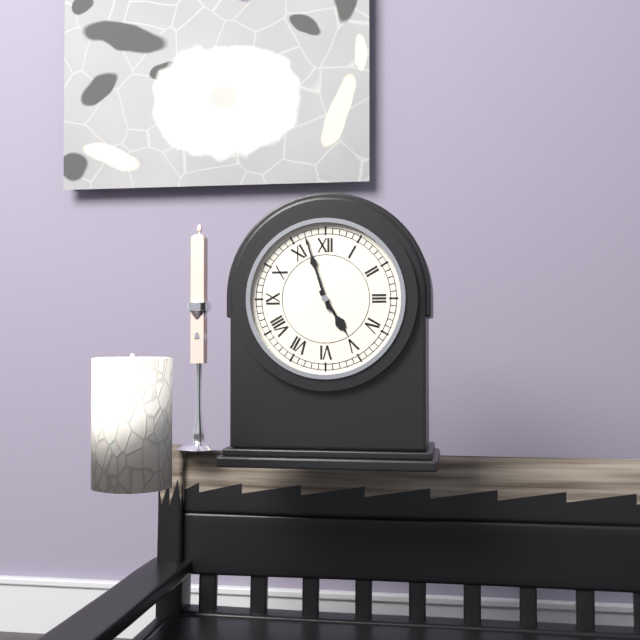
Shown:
**4:57**
